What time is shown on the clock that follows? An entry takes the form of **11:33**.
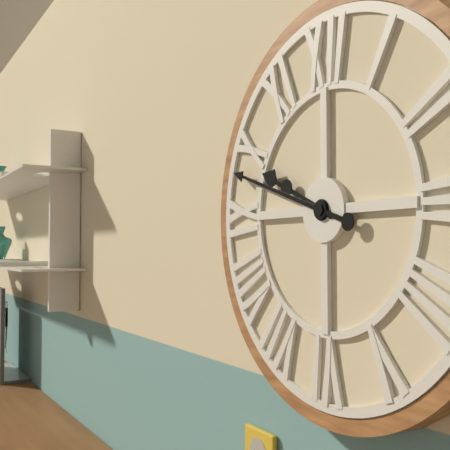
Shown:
**9:48**
